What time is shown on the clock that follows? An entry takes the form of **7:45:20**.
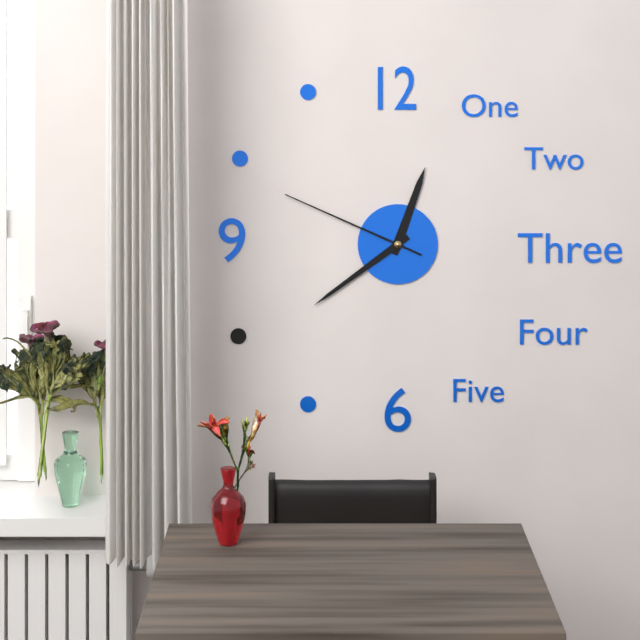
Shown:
**12:39:49**
